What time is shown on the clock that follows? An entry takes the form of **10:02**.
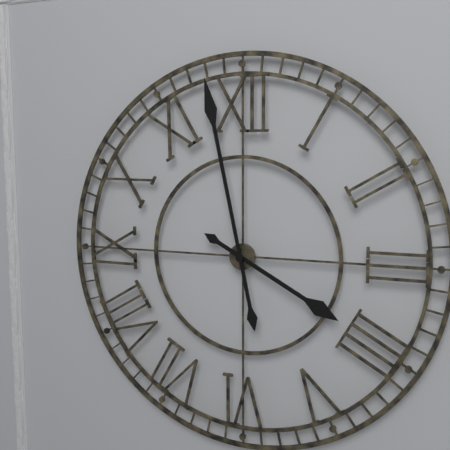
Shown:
**3:58**
